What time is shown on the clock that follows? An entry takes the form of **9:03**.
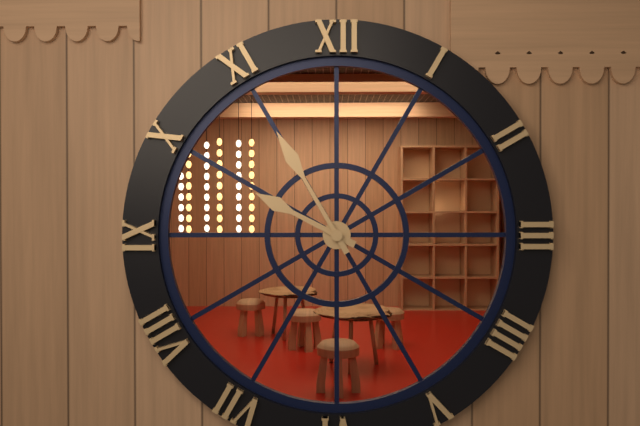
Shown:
**9:55**
